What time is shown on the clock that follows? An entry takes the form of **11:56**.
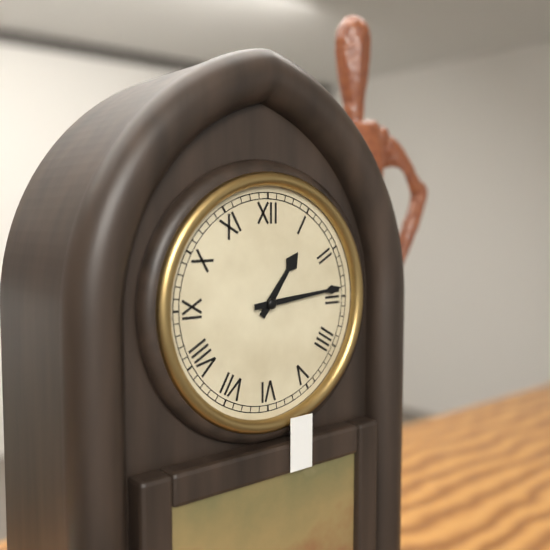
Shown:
**1:14**
